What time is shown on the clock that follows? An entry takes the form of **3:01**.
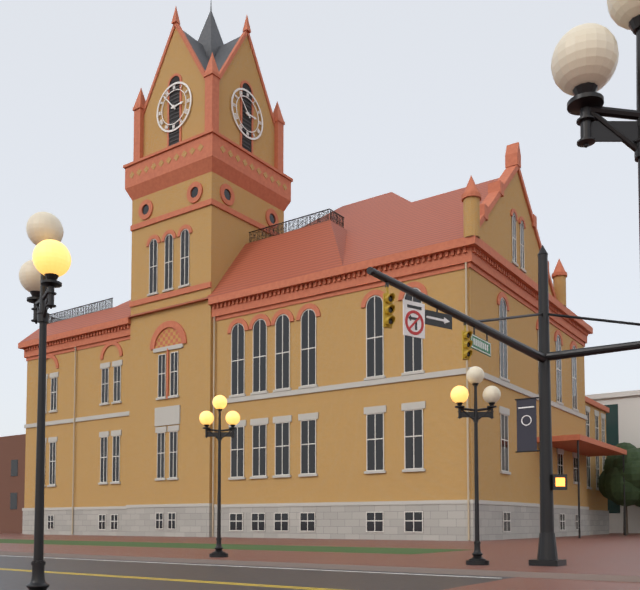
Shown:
**2:53**
